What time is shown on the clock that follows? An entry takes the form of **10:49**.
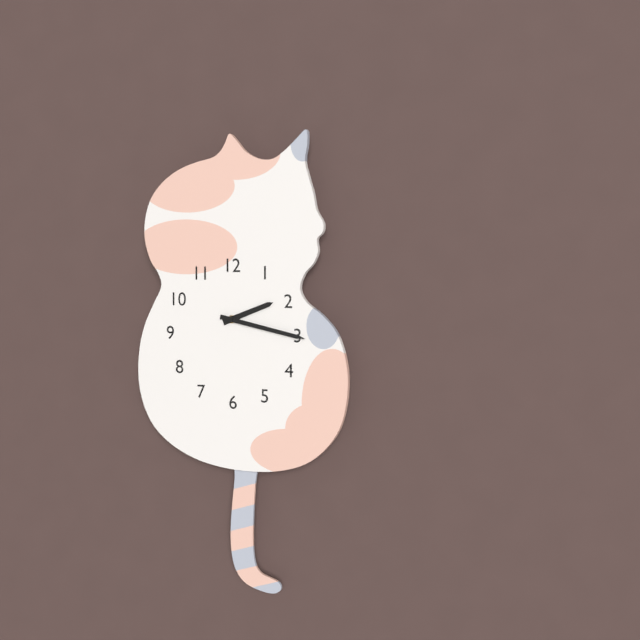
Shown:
**2:17**
